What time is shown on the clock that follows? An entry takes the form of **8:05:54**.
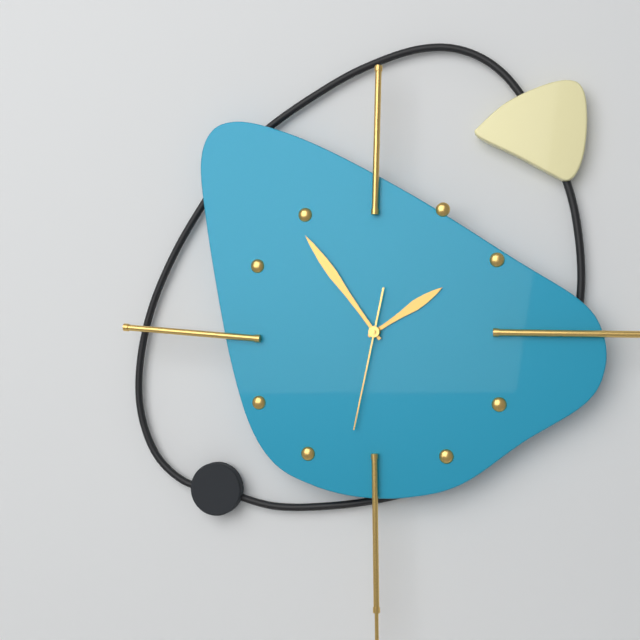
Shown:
**1:54:32**
